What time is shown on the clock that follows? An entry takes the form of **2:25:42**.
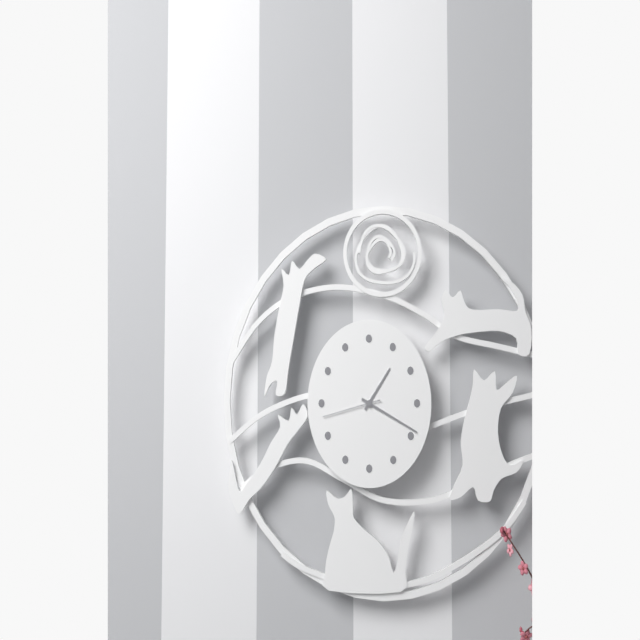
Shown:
**1:19:43**
